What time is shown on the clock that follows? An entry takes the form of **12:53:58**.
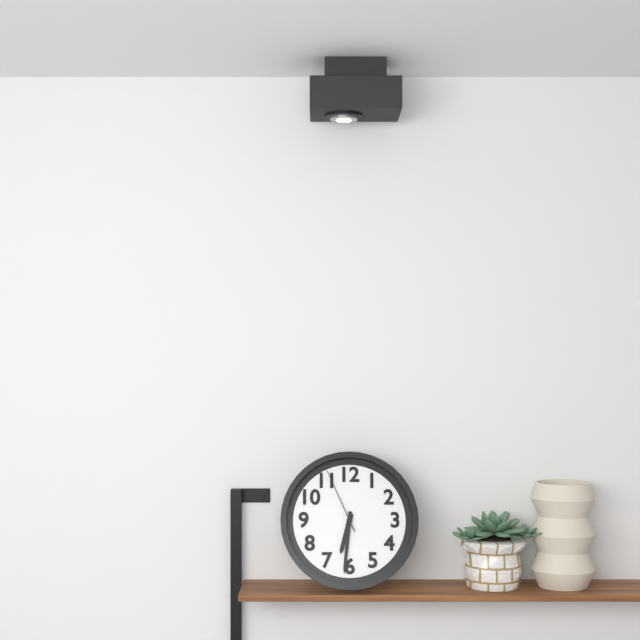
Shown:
**6:31:56**
